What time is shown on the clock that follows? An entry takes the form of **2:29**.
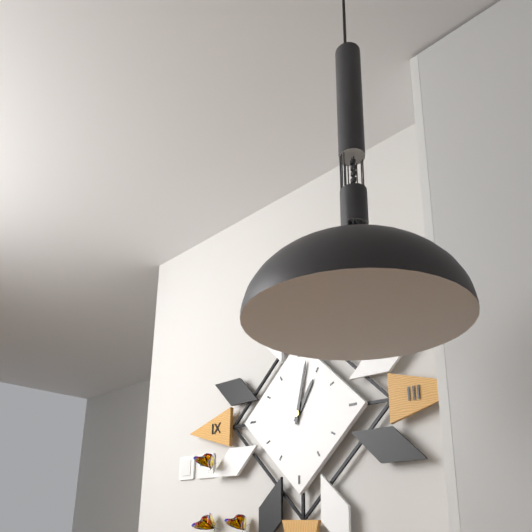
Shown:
**1:02**
